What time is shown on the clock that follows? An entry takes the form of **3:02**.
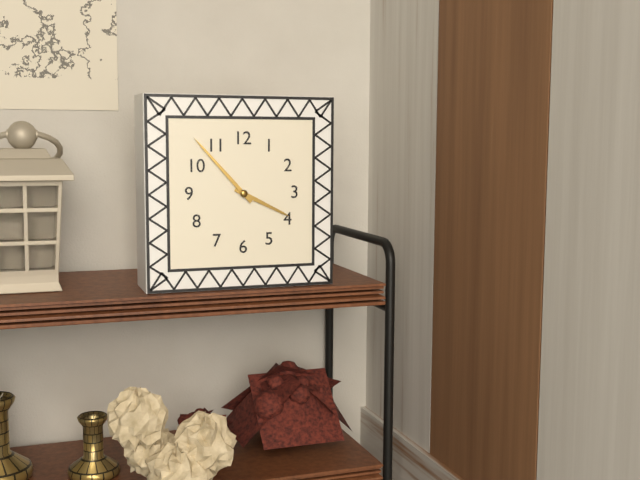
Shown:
**3:53**
